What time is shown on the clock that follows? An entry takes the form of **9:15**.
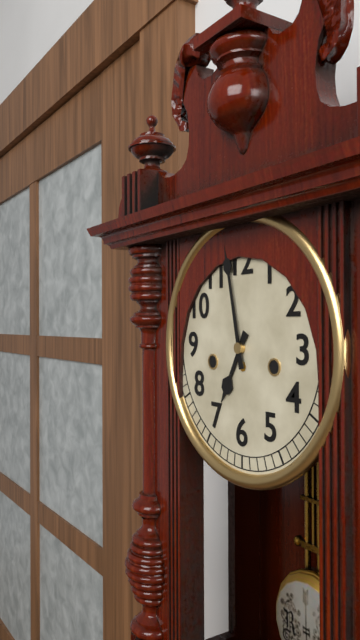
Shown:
**6:58**
